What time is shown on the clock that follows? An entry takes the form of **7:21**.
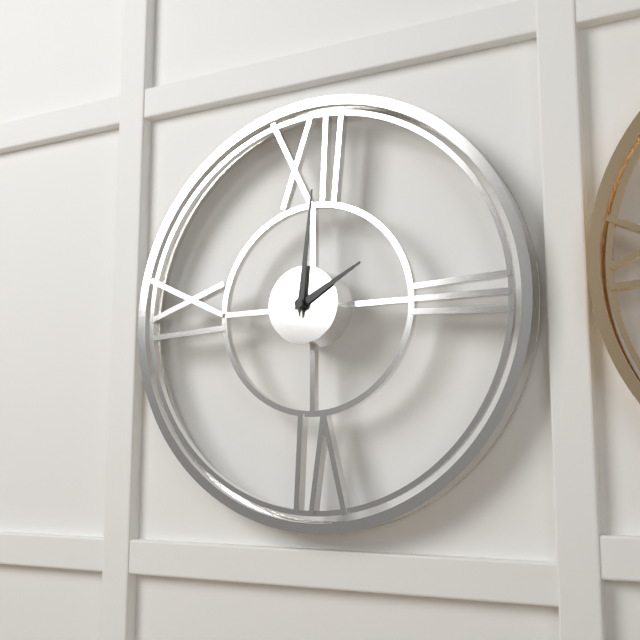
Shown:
**2:01**
